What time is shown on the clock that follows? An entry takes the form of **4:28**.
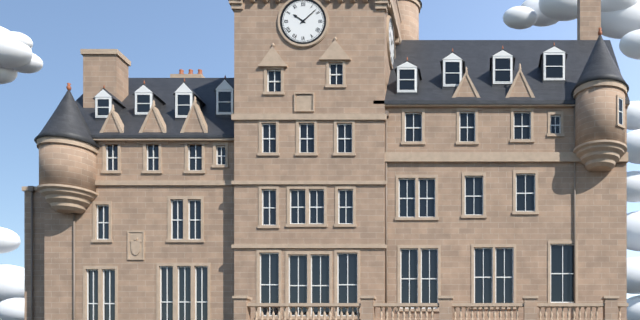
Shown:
**10:08**
